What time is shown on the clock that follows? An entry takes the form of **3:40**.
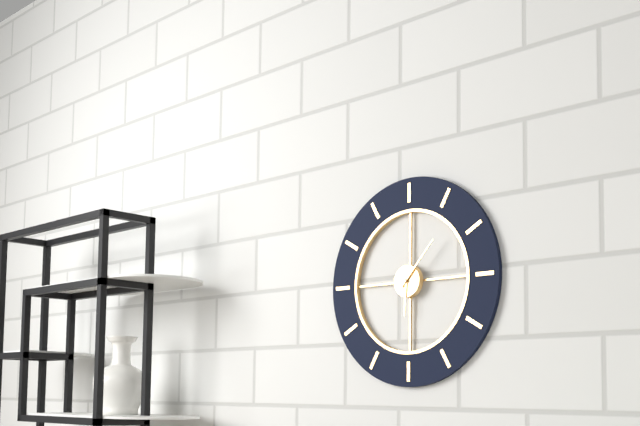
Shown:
**6:07**
